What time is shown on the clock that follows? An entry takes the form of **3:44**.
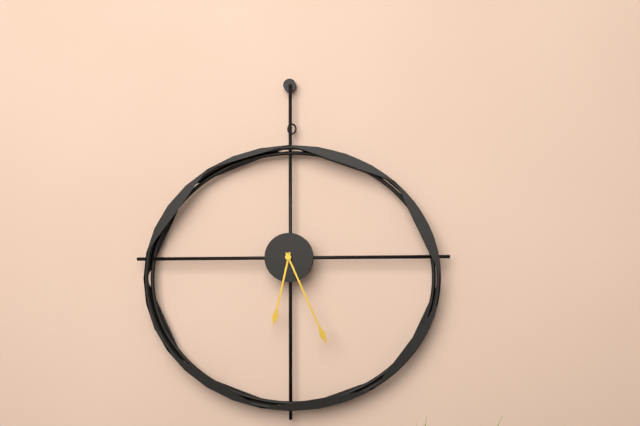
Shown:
**6:26**
